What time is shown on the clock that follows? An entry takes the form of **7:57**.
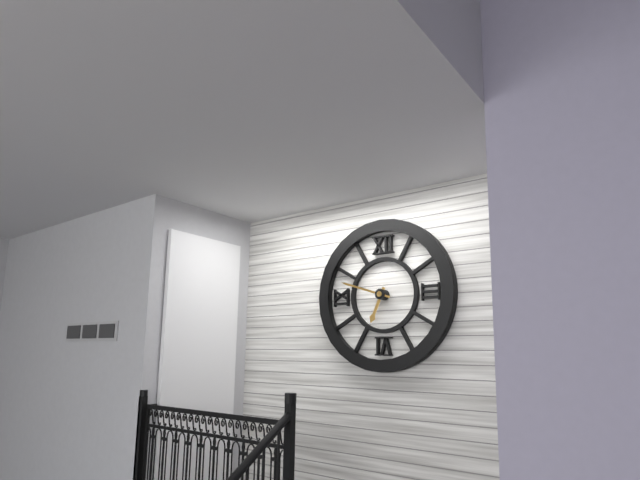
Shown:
**6:48**
